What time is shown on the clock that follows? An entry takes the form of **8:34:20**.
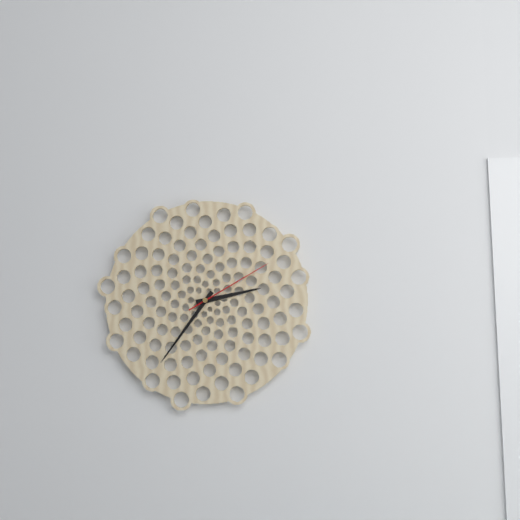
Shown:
**2:36:10**
